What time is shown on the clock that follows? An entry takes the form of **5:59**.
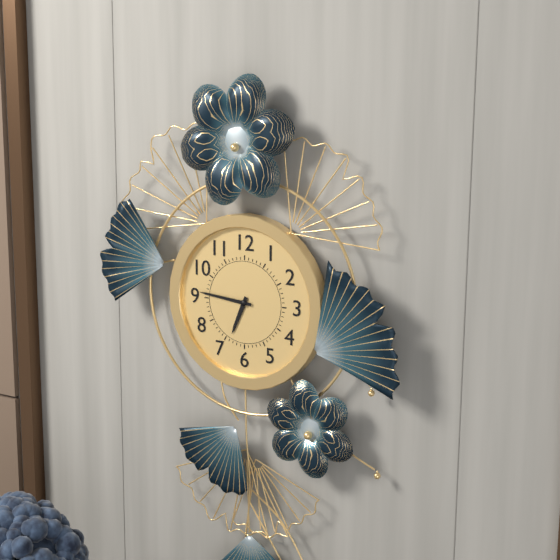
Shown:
**6:46**
